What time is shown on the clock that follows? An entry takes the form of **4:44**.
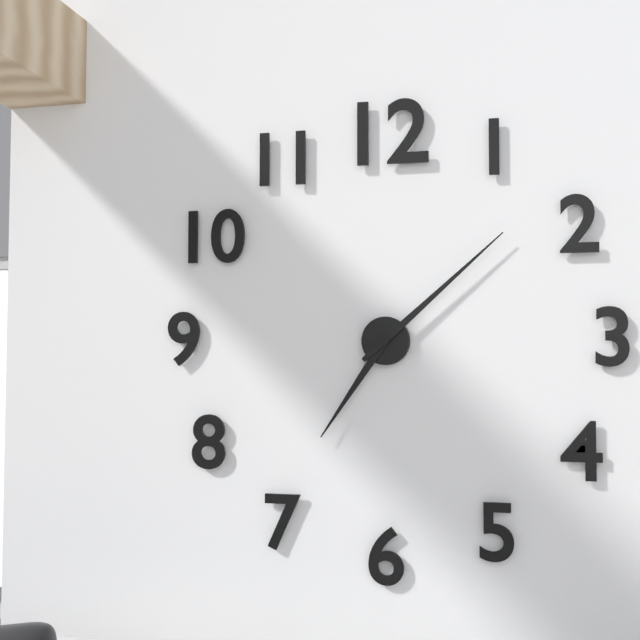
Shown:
**7:08**
